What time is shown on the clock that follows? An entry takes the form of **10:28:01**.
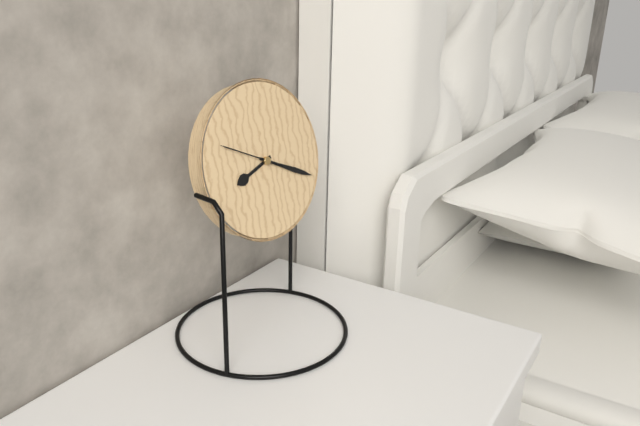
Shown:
**8:19:49**
